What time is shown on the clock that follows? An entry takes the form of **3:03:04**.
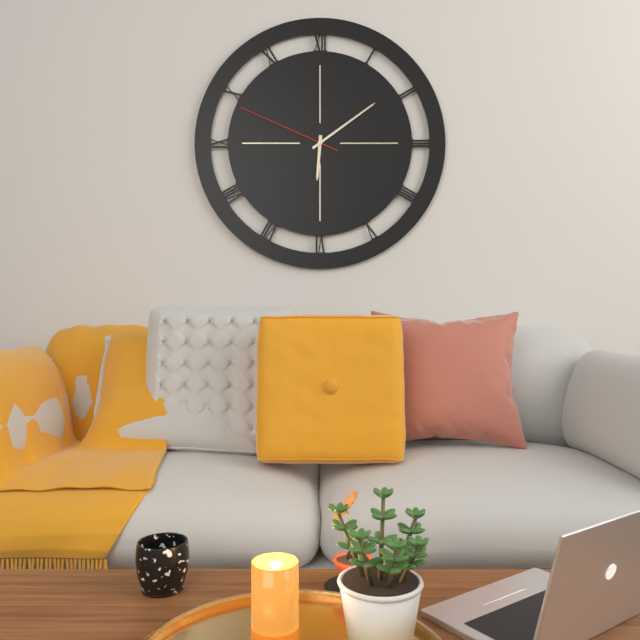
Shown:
**6:09:49**
